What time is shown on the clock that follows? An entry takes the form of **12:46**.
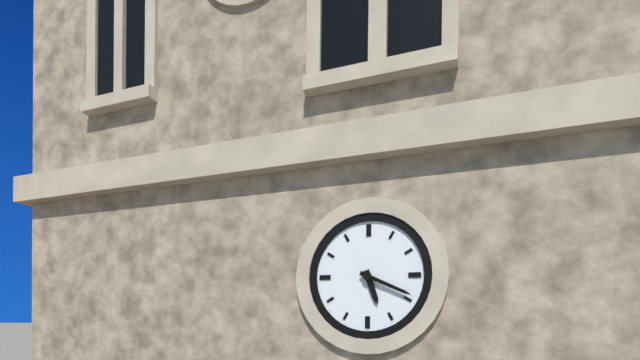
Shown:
**5:19**
